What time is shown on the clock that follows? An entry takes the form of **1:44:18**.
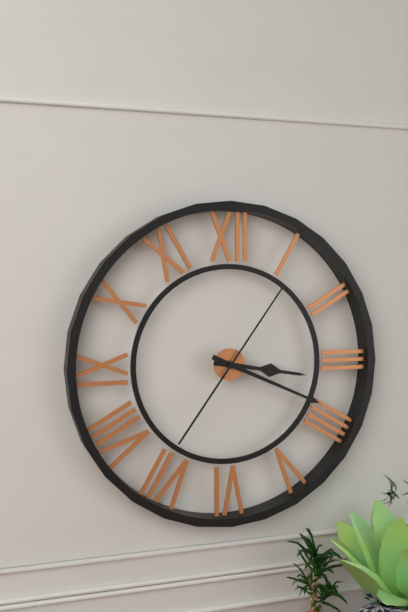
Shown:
**3:19:06**
